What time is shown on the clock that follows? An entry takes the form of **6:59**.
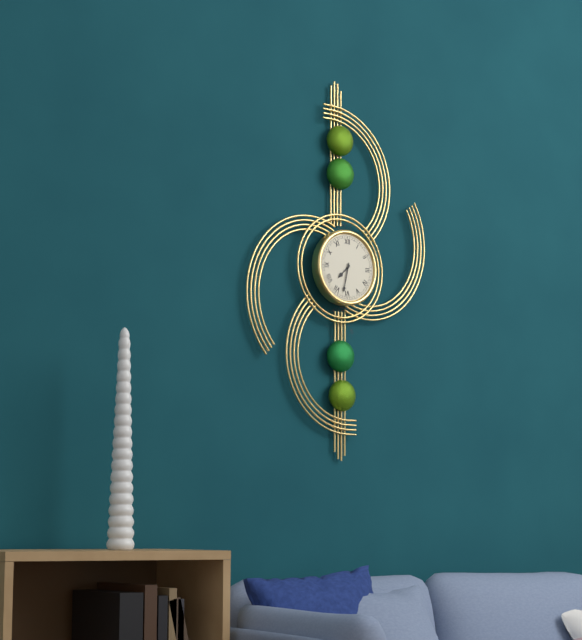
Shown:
**7:32**
